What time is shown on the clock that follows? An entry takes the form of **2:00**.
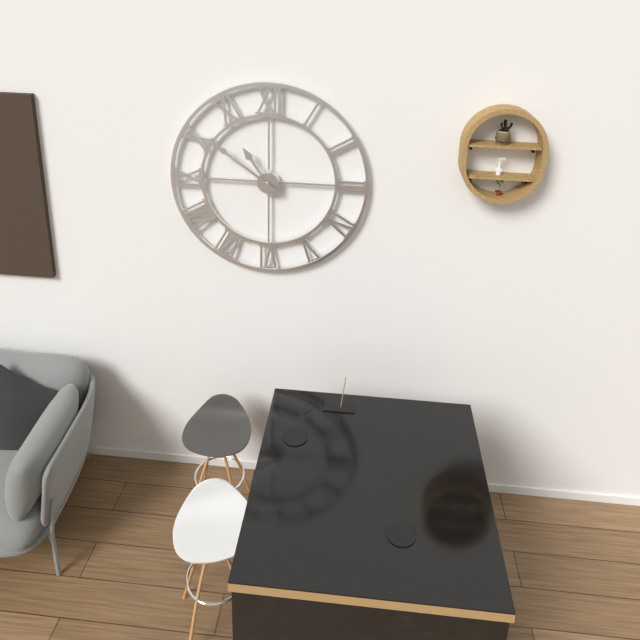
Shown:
**10:51**
